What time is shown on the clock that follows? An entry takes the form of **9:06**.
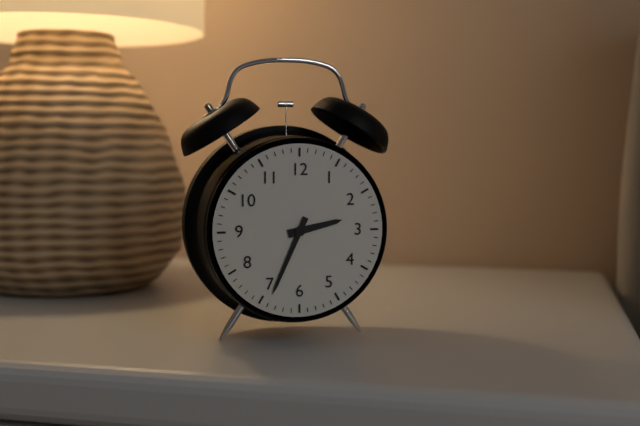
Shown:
**2:34**
